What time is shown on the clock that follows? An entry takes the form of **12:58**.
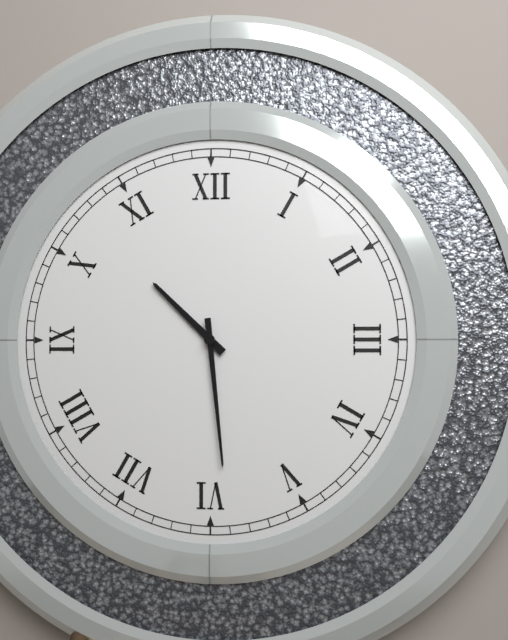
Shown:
**10:29**
